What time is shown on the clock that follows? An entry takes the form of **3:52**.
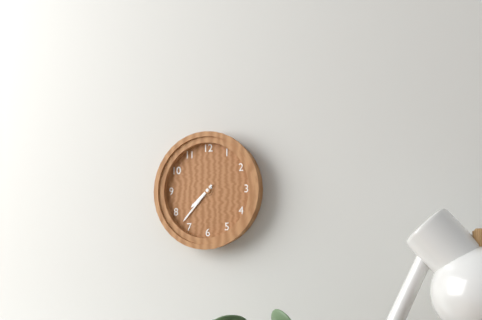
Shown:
**7:37**
